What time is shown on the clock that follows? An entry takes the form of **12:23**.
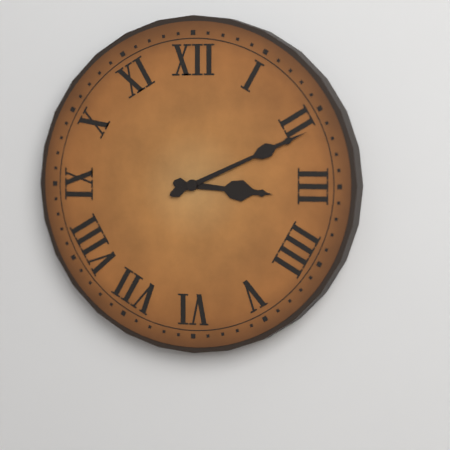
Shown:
**3:11**
